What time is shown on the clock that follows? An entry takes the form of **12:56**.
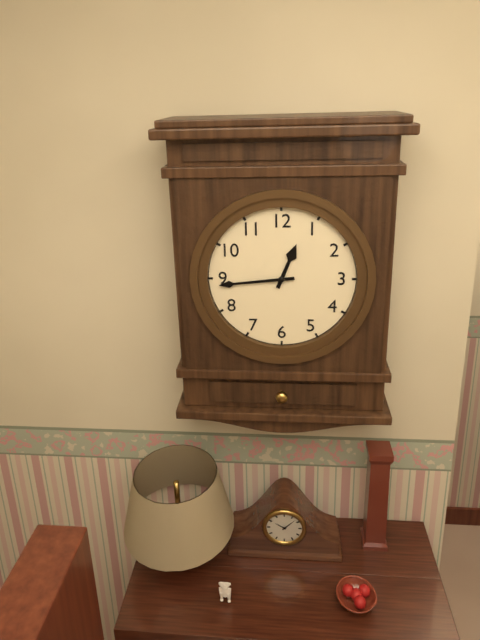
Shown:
**12:44**
